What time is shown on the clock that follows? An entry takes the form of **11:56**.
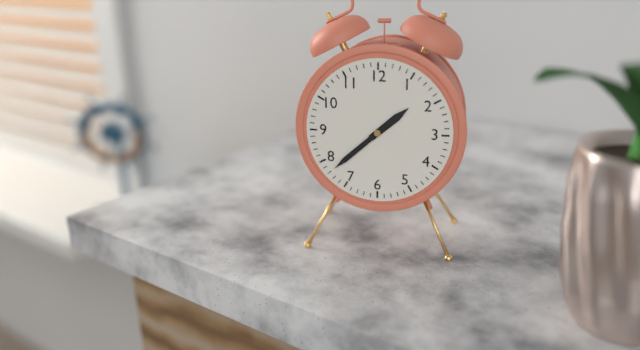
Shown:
**1:38**
